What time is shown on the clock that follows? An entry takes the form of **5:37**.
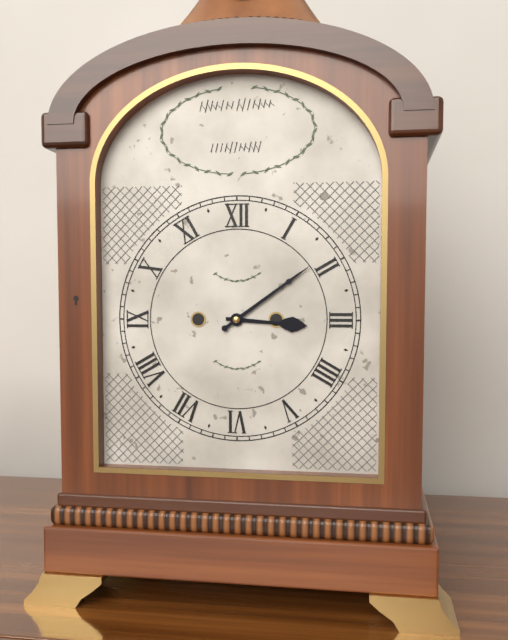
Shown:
**3:09**
